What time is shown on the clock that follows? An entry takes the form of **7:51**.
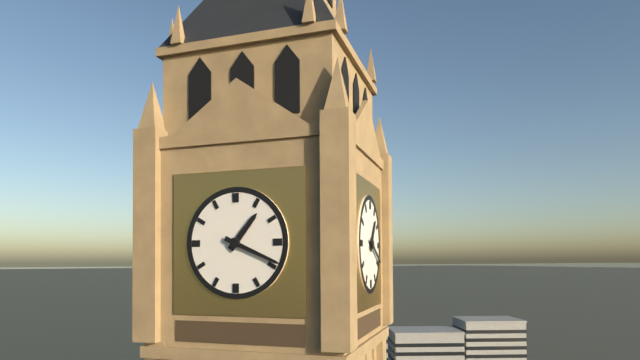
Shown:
**1:19**
